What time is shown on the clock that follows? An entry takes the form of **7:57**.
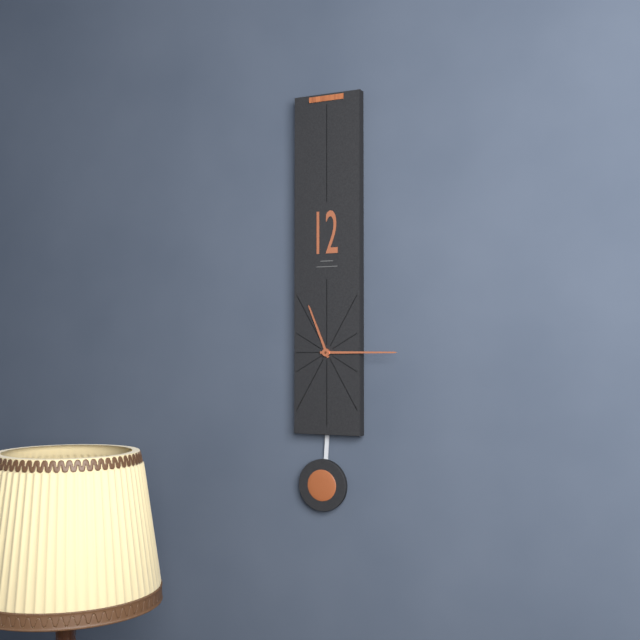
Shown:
**11:15**
